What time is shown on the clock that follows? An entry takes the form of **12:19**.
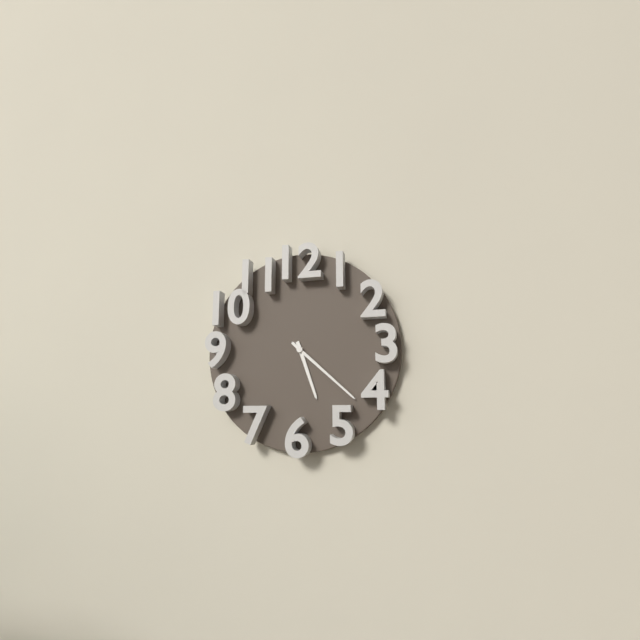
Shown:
**5:22**
